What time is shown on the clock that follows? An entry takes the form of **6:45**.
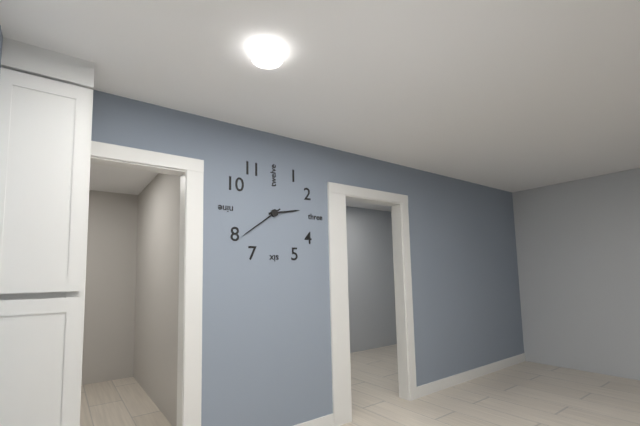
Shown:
**2:39**
